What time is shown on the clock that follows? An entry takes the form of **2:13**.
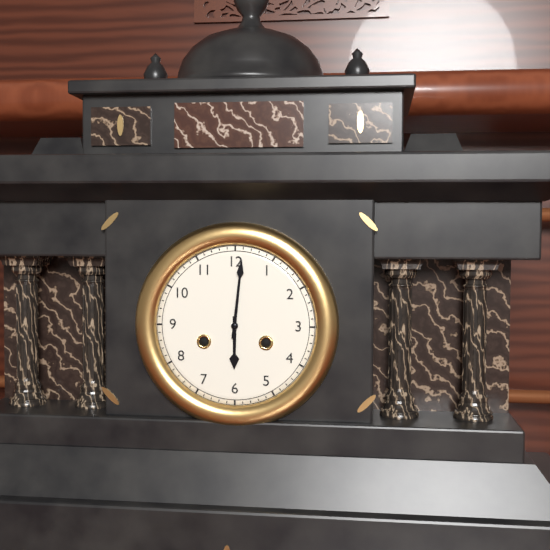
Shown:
**6:01**
